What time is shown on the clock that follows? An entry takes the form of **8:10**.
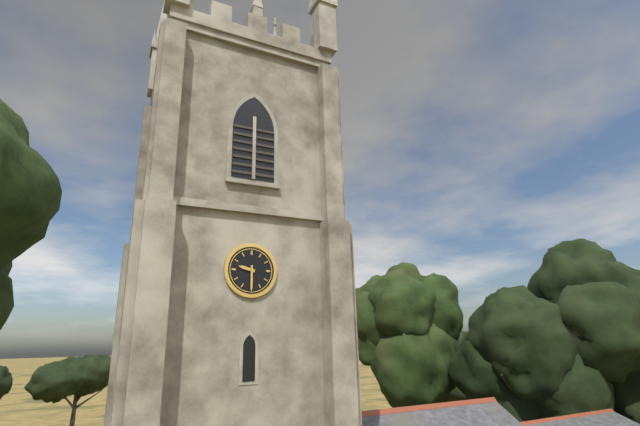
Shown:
**9:30**
